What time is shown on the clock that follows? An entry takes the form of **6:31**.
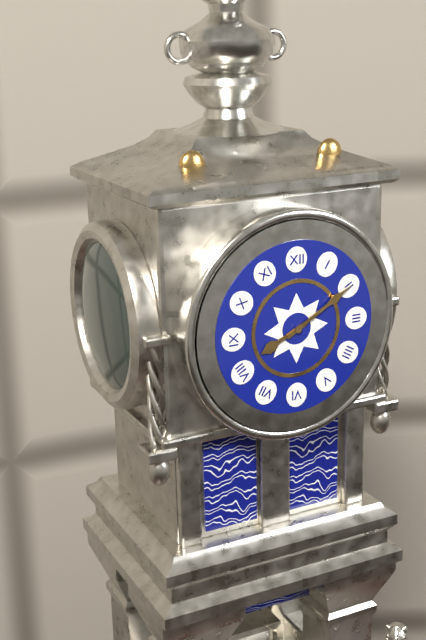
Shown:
**8:10**
